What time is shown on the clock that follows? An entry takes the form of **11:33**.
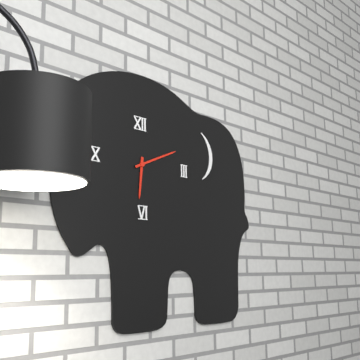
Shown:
**6:11**
